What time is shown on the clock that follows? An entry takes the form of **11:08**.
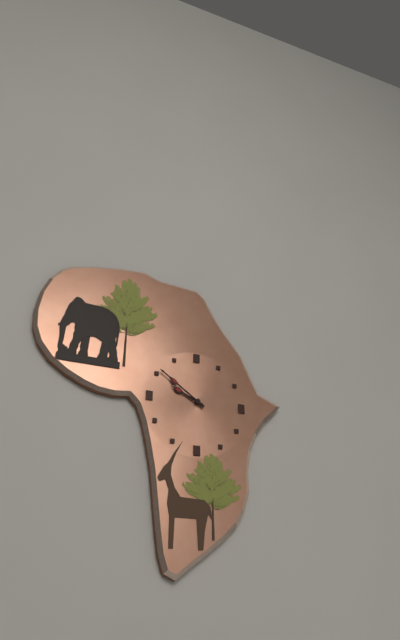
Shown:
**9:51**
